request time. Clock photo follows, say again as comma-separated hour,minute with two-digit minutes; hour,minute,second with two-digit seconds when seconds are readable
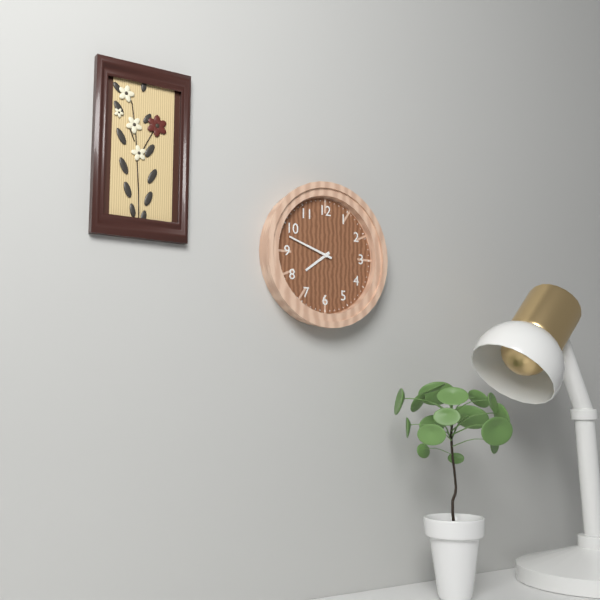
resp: 7,48
